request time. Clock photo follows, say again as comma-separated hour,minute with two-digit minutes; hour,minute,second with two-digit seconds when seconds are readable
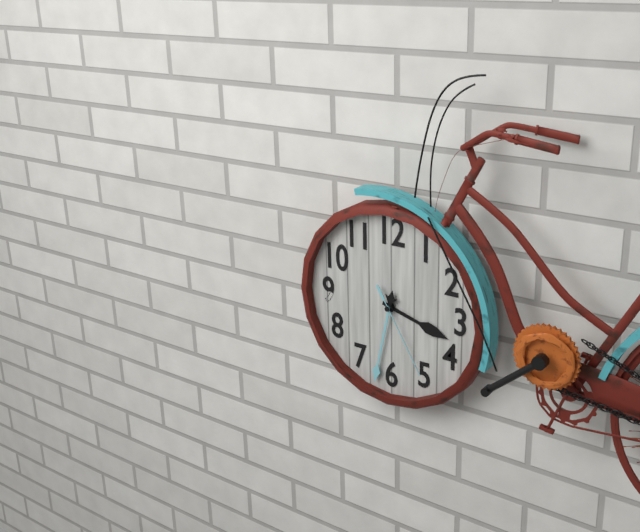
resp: 3,32,25
